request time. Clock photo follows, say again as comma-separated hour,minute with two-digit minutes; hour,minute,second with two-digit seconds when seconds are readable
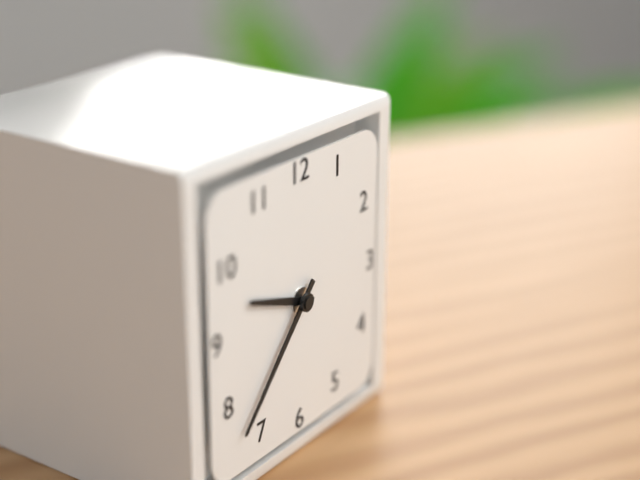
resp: 9,37
